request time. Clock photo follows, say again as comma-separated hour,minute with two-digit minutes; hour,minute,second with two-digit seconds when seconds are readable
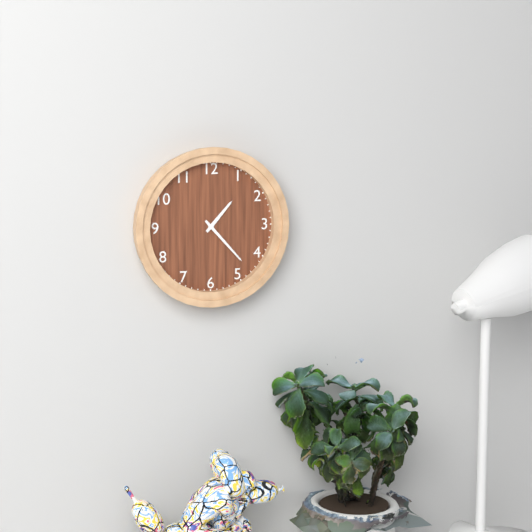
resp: 1,23
